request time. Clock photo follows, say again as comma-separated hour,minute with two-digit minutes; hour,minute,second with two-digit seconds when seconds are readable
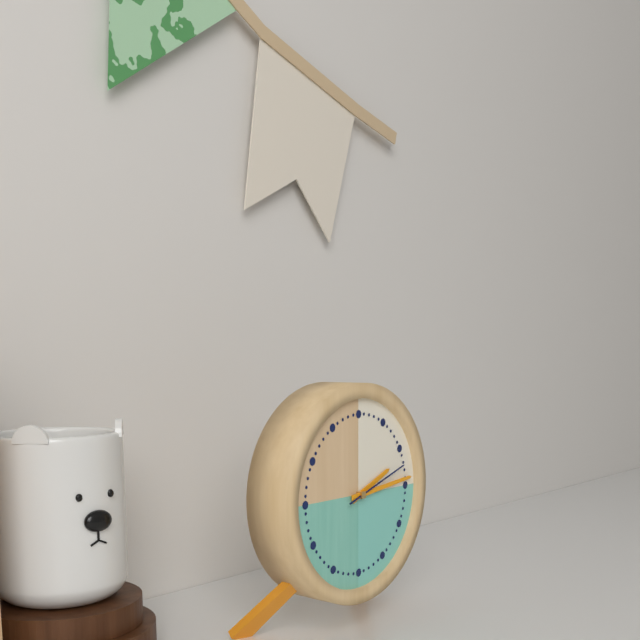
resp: 2,14,12
